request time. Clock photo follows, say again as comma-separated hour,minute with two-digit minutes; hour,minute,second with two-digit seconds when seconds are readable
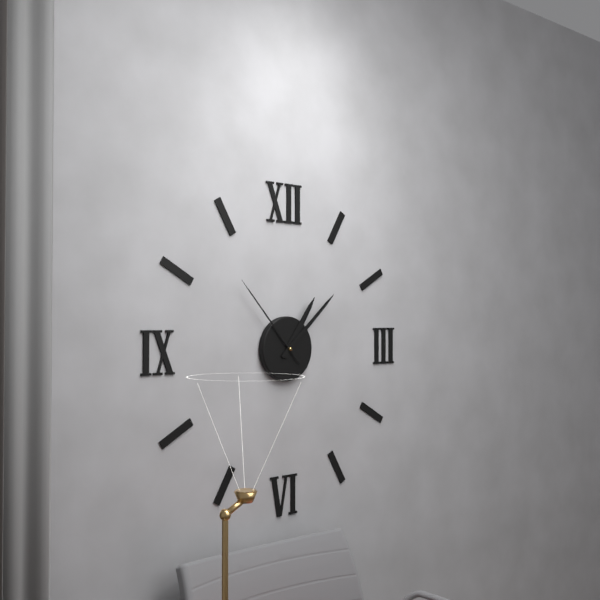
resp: 1,08,53
